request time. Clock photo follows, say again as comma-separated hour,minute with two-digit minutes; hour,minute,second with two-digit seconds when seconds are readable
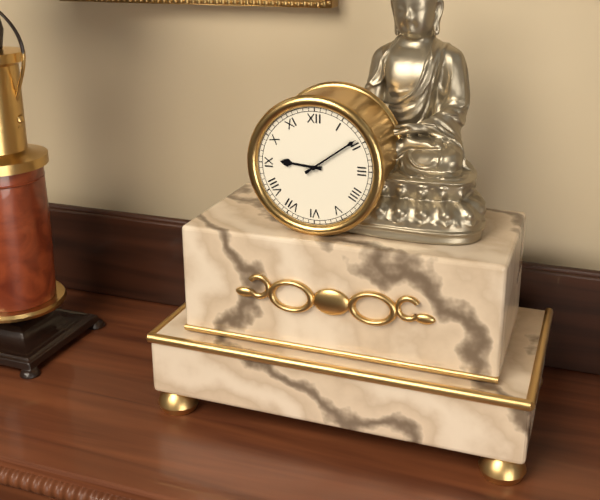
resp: 9,09
